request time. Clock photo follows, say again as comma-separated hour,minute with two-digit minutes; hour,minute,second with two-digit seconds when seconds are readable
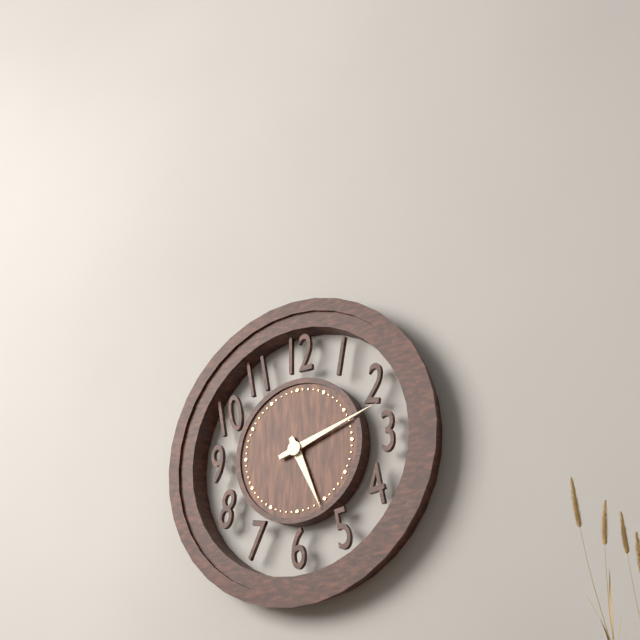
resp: 5,12
